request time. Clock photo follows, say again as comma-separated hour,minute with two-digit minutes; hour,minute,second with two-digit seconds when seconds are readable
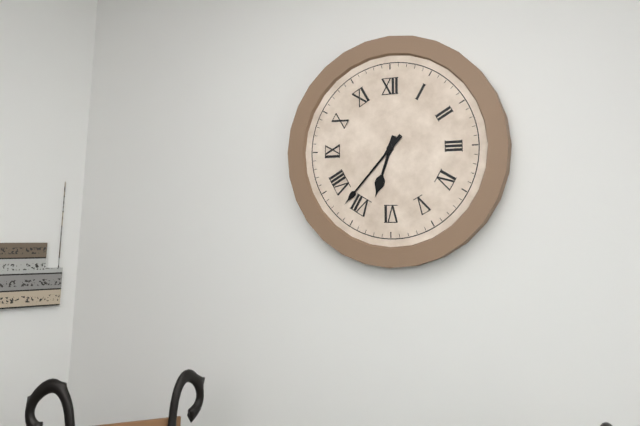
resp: 6,37
